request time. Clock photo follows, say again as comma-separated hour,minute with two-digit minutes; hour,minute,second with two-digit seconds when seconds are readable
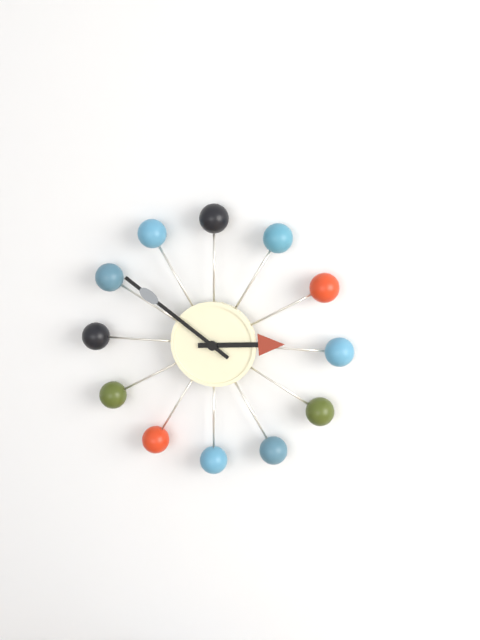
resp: 2,51
